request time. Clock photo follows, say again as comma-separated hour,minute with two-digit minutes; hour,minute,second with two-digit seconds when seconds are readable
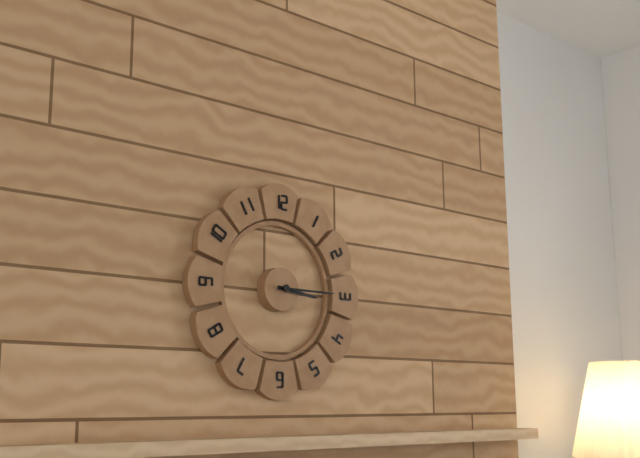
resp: 3,15
